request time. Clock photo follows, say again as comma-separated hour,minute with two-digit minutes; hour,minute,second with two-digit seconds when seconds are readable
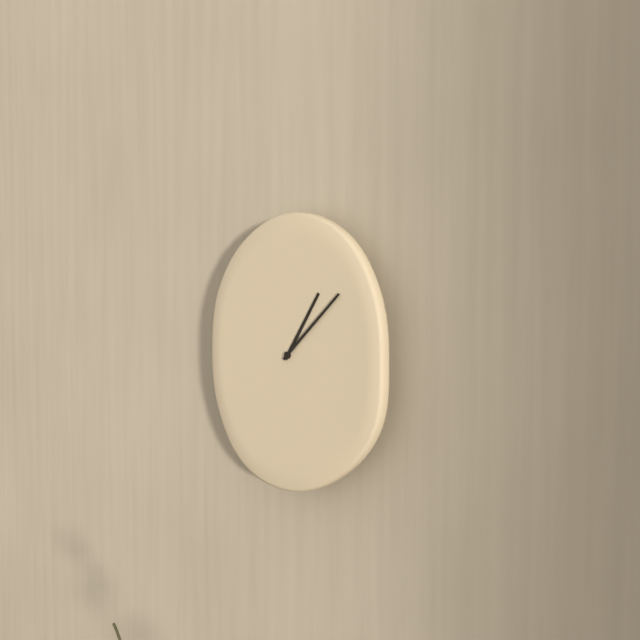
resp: 1,08
